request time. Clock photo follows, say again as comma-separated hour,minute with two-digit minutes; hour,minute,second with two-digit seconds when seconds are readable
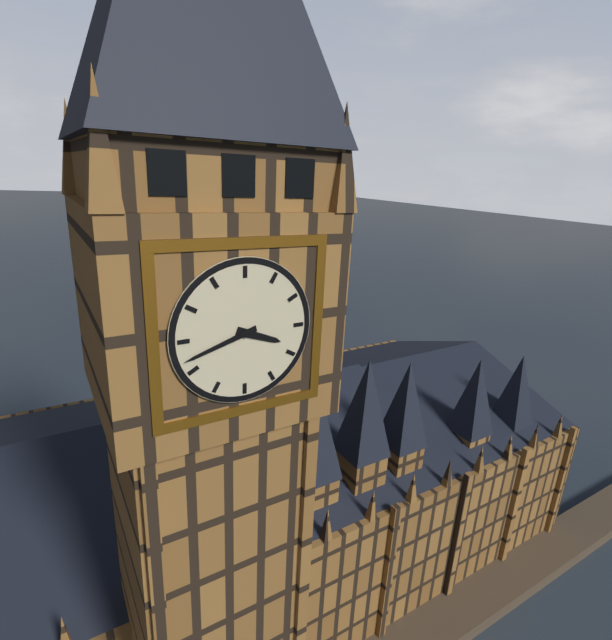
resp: 3,42
